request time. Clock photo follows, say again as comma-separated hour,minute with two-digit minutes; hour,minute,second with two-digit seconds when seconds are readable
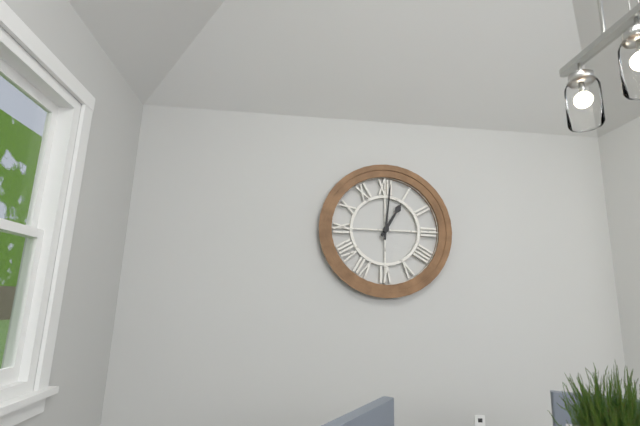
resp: 1,01
